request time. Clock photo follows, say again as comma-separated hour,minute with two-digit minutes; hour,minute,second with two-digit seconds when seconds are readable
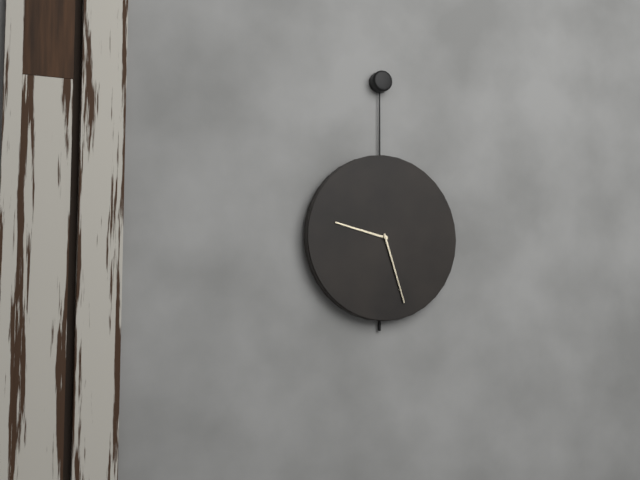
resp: 9,27
